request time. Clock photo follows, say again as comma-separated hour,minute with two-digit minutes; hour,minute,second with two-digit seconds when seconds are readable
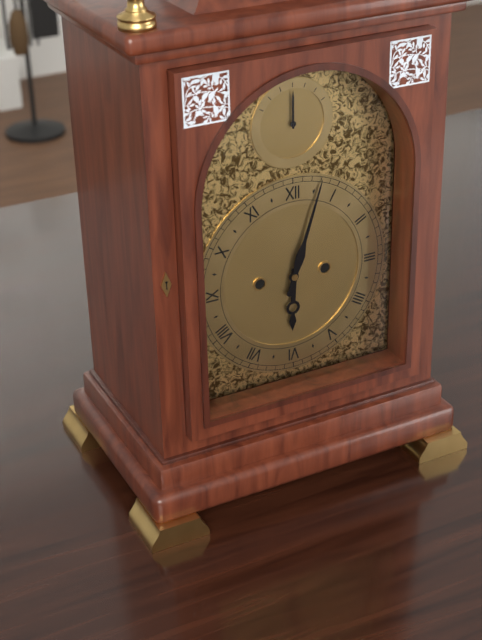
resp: 6,03
